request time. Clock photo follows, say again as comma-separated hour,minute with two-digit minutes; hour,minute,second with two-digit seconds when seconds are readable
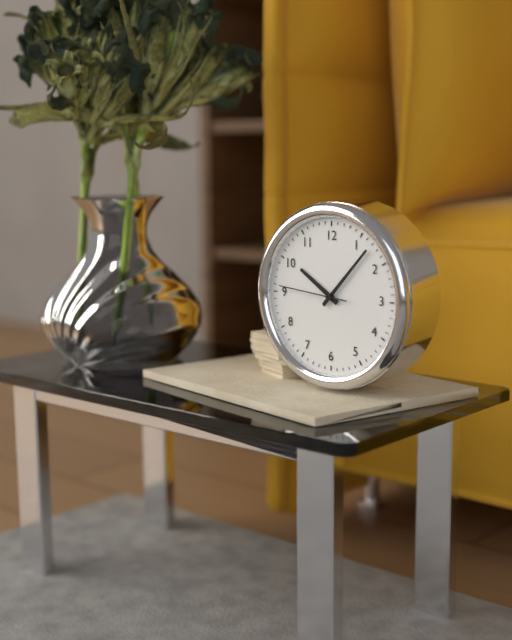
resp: 10,07,46
